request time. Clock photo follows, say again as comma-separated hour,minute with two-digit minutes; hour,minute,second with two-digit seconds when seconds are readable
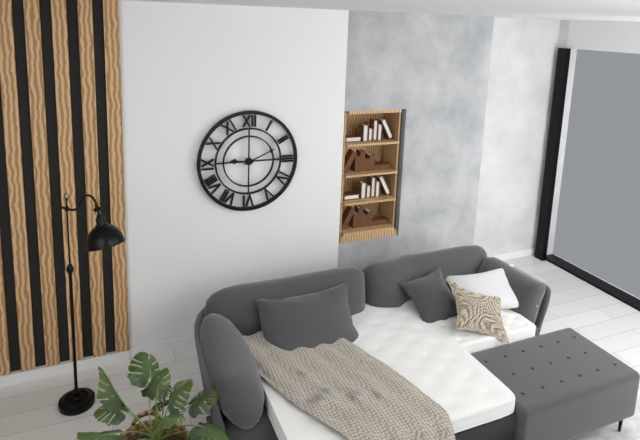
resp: 9,11
